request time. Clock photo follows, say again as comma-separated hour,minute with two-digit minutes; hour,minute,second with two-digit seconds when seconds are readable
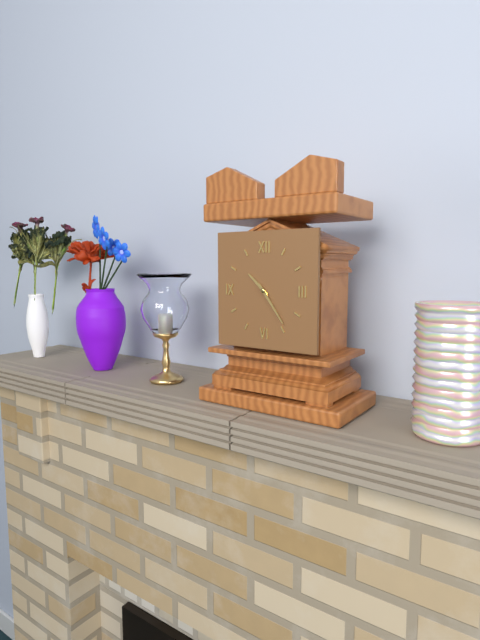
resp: 10,24
